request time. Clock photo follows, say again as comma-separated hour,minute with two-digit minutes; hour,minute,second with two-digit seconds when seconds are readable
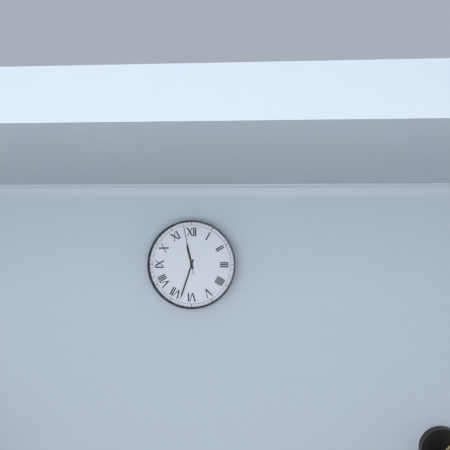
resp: 11,33
